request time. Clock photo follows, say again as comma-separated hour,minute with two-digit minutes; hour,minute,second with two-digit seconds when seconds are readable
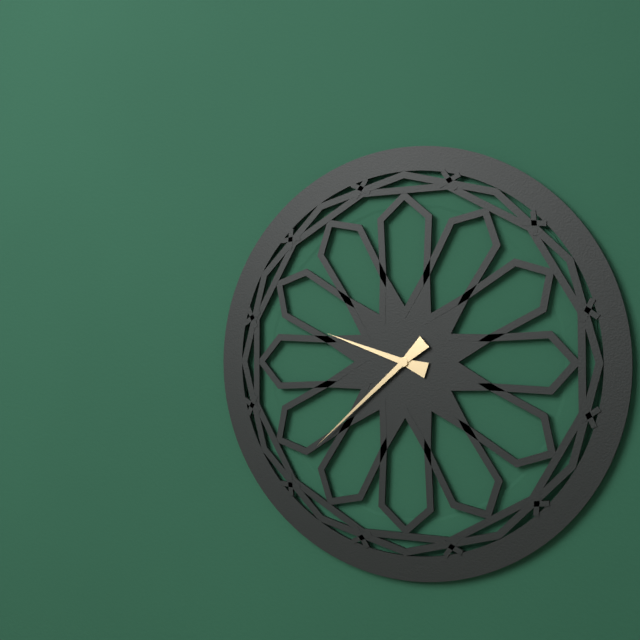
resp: 9,38
